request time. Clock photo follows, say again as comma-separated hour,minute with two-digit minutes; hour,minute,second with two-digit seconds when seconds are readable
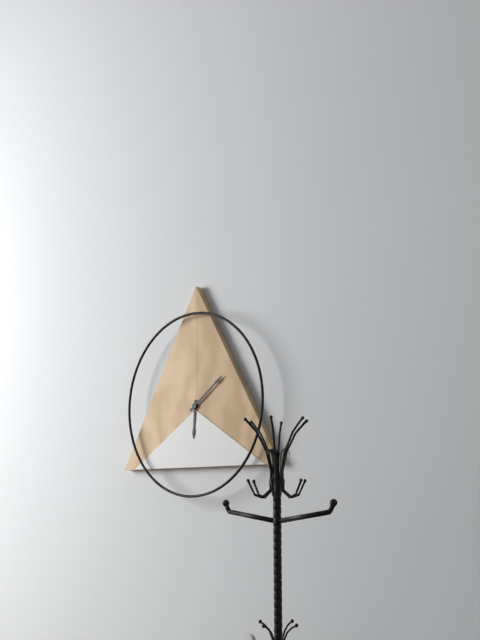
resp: 6,09
